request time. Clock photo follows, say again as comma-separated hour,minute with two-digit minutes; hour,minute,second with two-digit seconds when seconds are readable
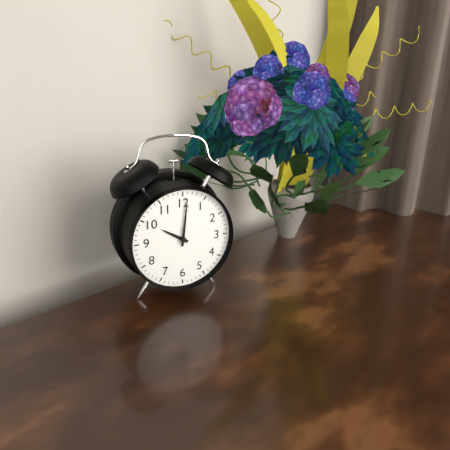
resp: 10,01
